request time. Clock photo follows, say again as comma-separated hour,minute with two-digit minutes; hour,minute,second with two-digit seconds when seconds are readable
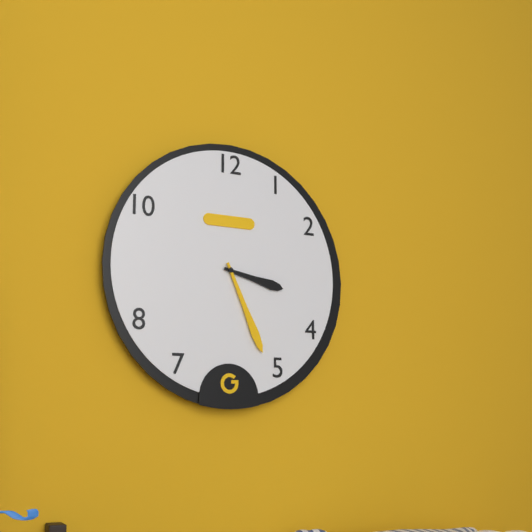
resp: 3,26
